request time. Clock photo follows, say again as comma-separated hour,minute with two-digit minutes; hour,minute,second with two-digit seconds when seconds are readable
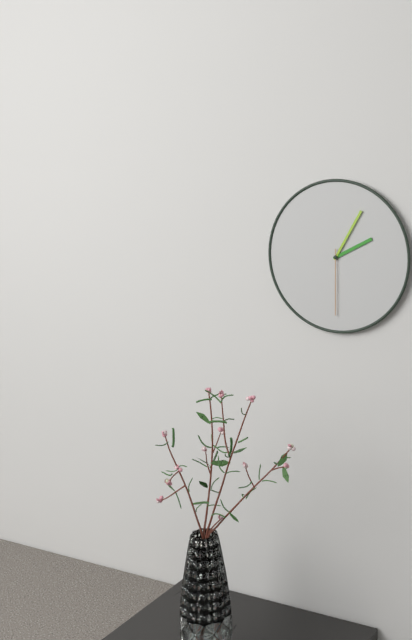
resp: 2,05,30
